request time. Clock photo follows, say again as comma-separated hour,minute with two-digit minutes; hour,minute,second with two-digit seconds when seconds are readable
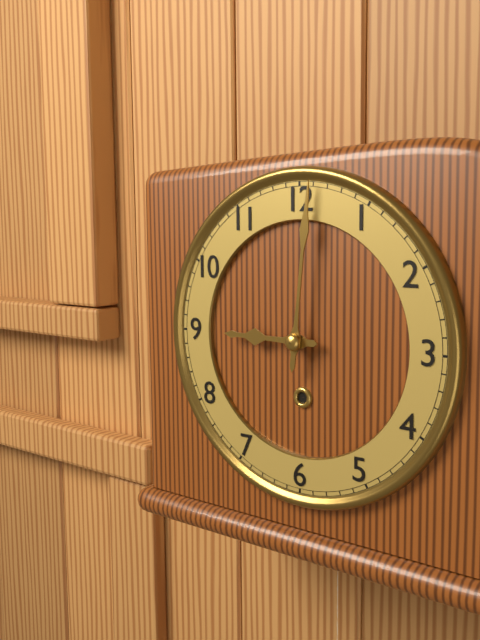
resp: 9,01
